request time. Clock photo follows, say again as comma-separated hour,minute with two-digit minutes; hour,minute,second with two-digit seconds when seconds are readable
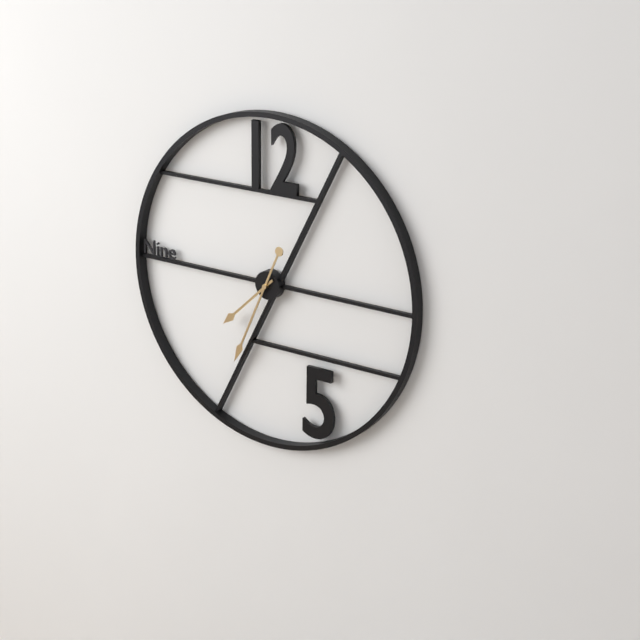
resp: 7,34
